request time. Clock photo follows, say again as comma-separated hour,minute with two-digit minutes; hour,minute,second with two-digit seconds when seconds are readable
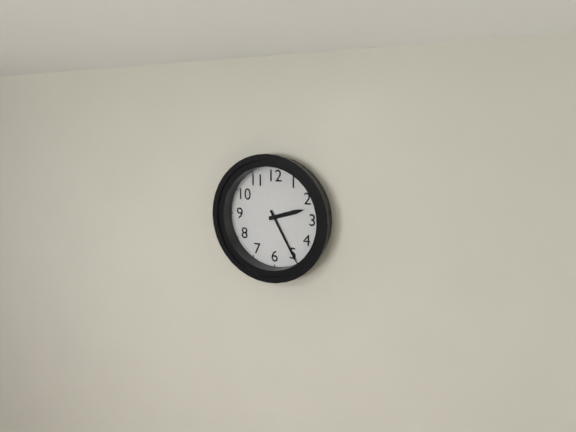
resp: 2,25
